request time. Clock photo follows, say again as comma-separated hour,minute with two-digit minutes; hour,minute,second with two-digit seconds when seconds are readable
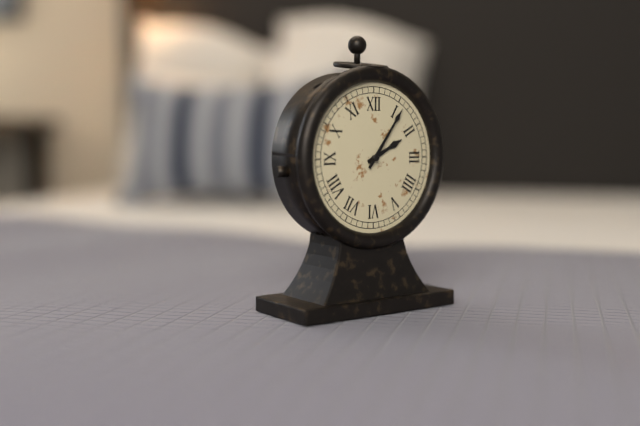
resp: 2,06
